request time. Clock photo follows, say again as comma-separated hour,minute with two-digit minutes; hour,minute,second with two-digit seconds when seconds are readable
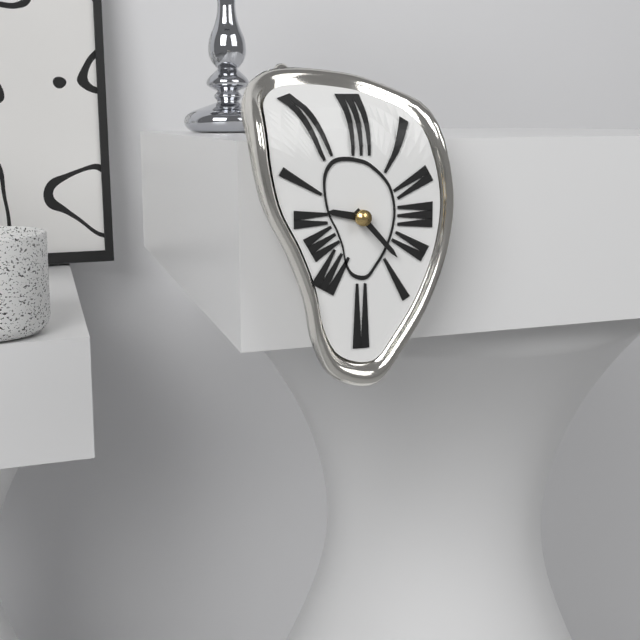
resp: 9,23
